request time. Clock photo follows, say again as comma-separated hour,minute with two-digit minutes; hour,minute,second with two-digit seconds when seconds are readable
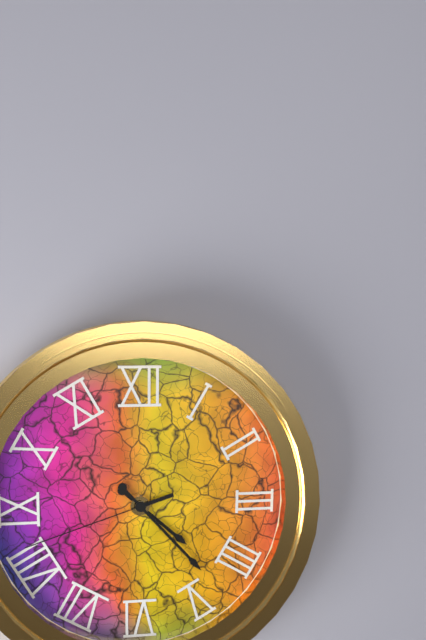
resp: 4,23,42
